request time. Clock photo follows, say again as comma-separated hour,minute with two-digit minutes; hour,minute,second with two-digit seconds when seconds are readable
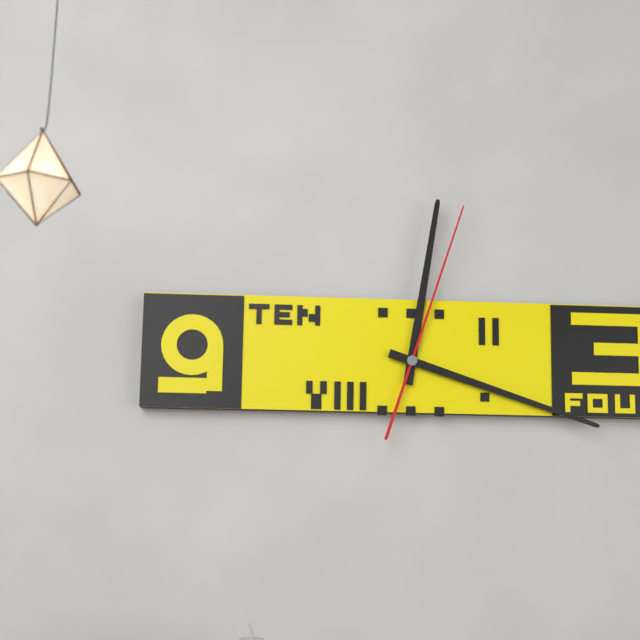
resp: 12,18,03
